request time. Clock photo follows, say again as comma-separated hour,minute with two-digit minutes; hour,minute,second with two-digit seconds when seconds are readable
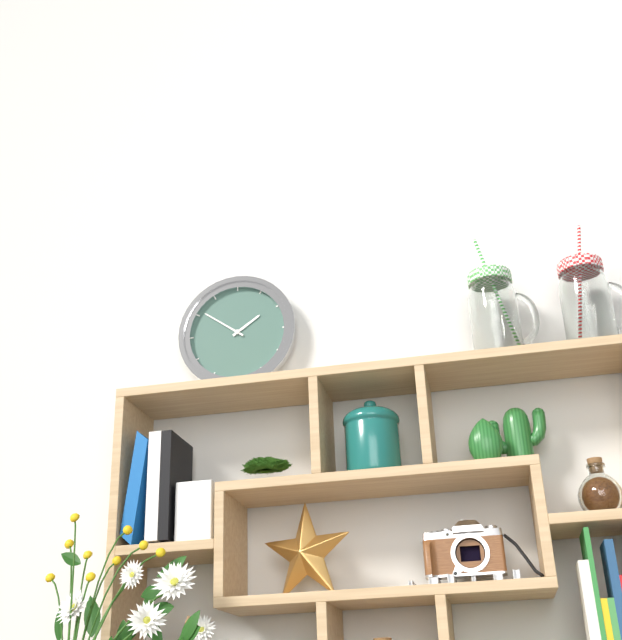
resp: 1,51
